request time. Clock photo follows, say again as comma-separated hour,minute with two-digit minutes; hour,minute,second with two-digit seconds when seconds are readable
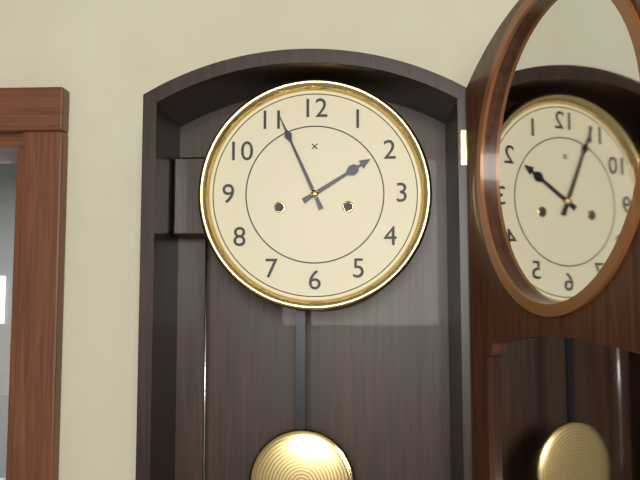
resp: 1,56
